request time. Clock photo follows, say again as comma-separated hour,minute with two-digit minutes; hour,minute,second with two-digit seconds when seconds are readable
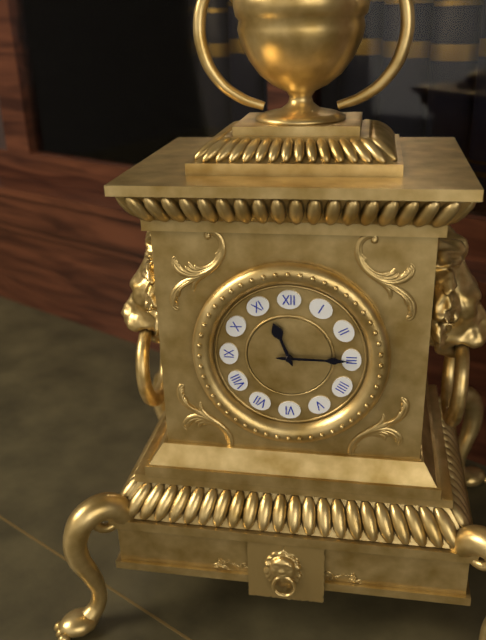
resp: 11,15
